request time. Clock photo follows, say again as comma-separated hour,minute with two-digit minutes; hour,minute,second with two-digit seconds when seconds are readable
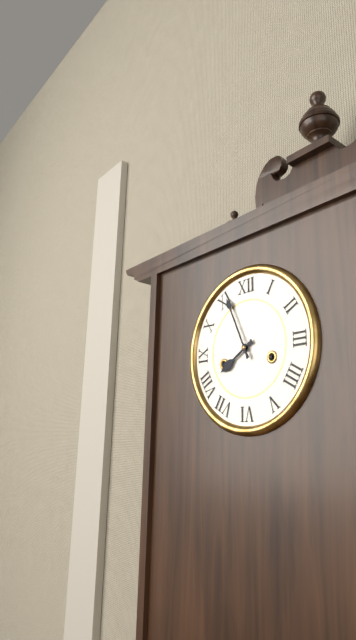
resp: 7,56
